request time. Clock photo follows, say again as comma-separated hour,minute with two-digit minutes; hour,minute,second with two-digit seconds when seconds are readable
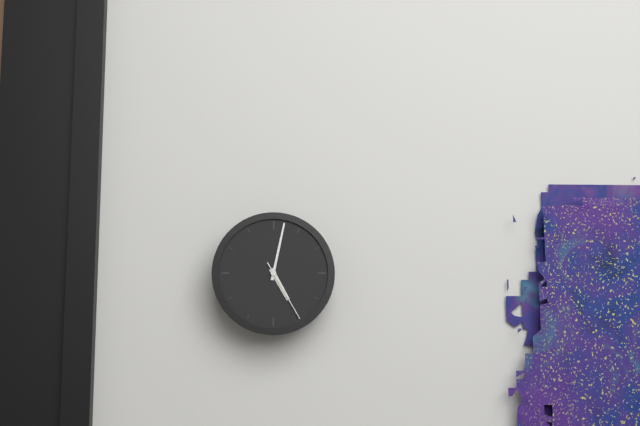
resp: 5,02,25
